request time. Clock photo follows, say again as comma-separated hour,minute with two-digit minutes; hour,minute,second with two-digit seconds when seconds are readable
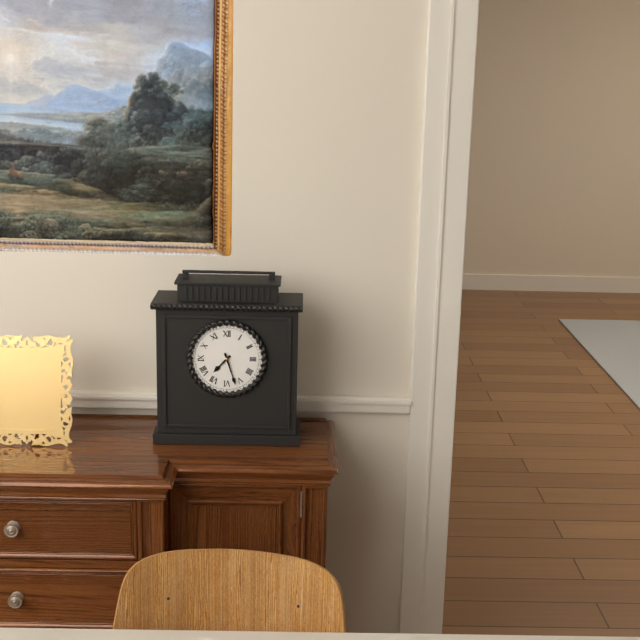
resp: 7,27
